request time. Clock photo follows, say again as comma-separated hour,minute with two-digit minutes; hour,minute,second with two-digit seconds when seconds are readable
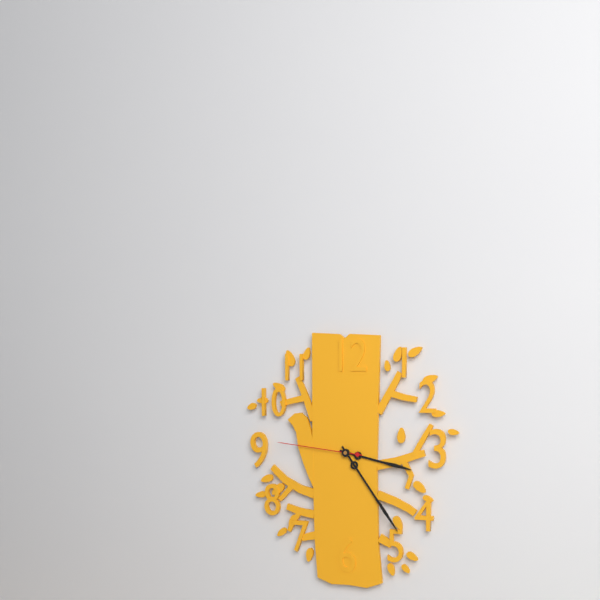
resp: 3,24,46
